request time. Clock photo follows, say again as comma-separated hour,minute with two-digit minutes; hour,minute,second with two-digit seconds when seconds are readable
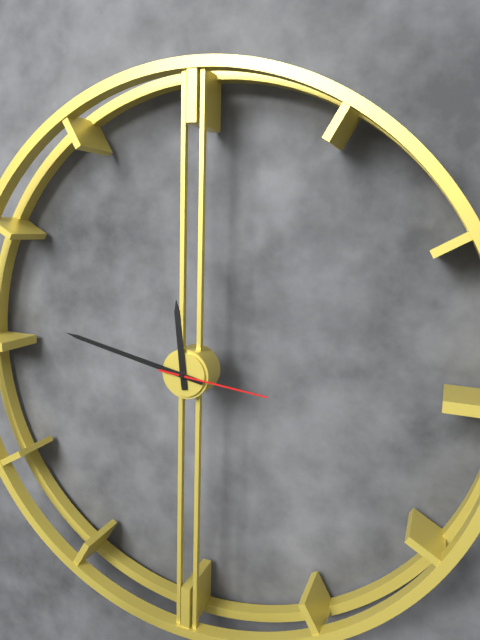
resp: 11,47,16
